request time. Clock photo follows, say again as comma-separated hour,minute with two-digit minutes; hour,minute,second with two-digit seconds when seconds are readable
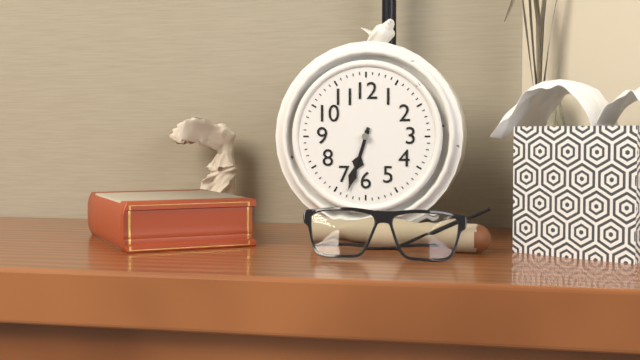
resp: 6,33
